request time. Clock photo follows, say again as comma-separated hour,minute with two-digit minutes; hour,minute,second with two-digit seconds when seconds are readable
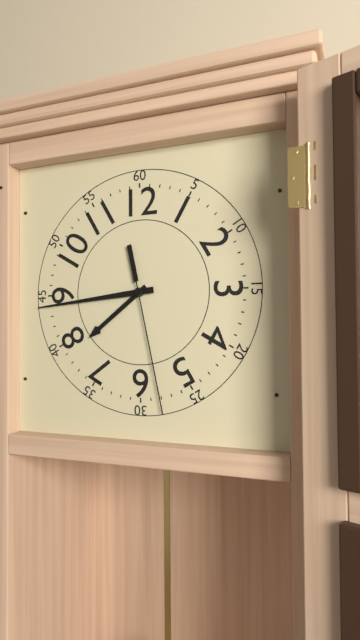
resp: 7,44,28
